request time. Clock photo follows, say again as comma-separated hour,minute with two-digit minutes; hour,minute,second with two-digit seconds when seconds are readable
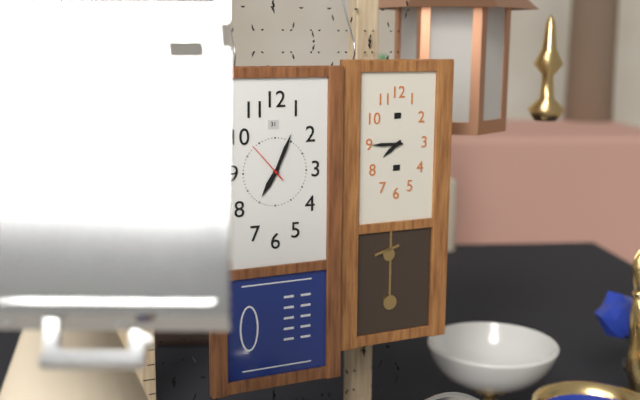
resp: 7,04
